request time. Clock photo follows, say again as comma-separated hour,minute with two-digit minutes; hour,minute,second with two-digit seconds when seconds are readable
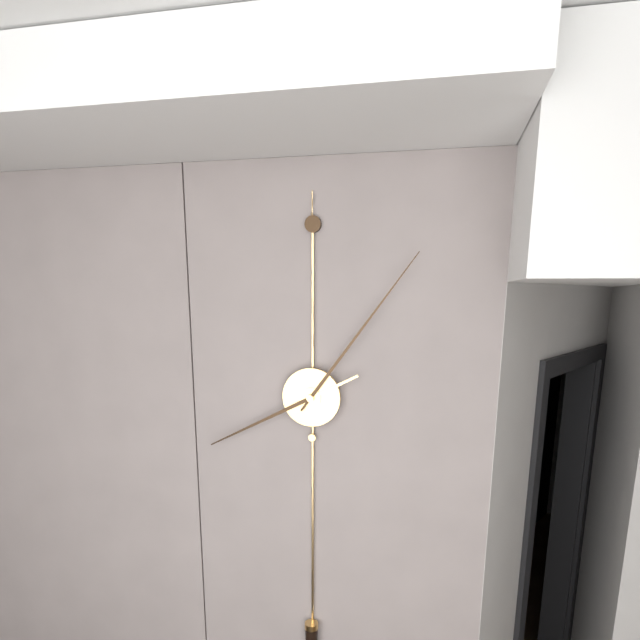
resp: 8,06
